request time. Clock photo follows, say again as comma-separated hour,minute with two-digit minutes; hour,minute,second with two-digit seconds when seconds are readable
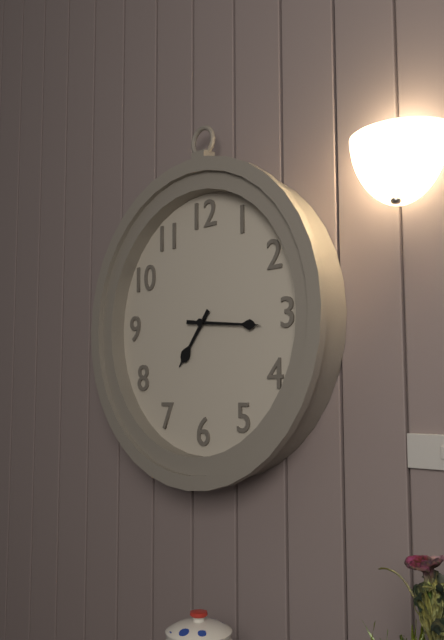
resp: 7,16
